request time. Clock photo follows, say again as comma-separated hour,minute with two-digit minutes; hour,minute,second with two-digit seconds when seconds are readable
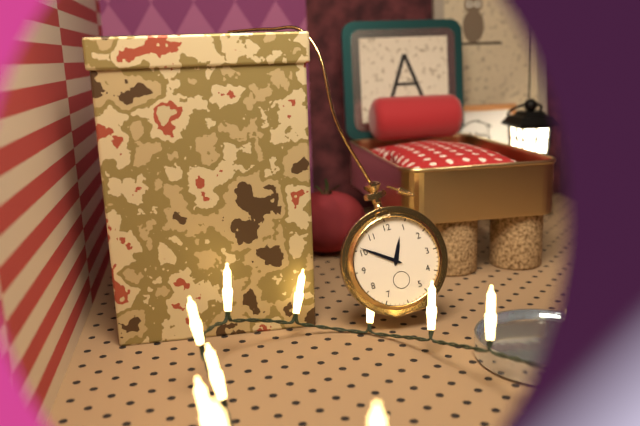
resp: 12,51
